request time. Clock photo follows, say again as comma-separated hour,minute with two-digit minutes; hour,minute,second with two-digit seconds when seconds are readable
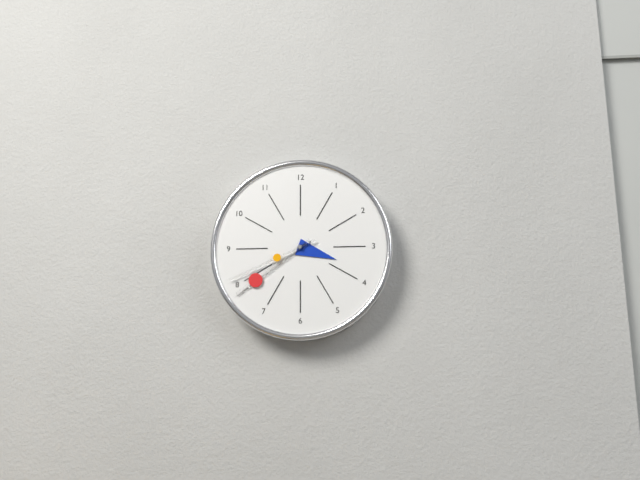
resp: 3,39,41
